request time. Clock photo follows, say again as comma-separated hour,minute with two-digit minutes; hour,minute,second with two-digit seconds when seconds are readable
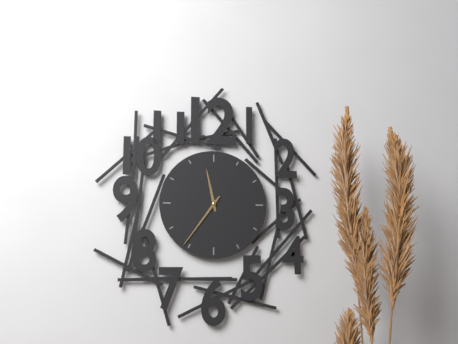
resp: 11,36
